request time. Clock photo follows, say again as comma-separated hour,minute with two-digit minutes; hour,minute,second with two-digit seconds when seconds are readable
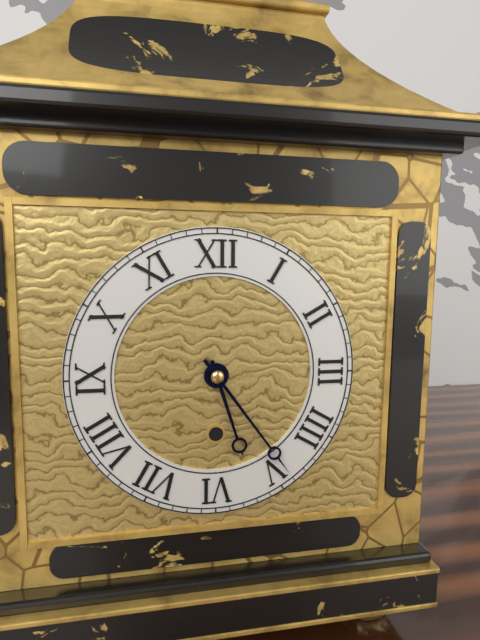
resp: 5,24
